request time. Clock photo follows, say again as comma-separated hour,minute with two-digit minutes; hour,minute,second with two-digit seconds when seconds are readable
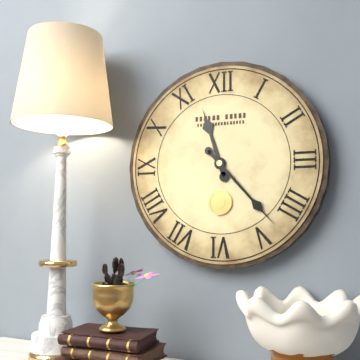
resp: 11,23
